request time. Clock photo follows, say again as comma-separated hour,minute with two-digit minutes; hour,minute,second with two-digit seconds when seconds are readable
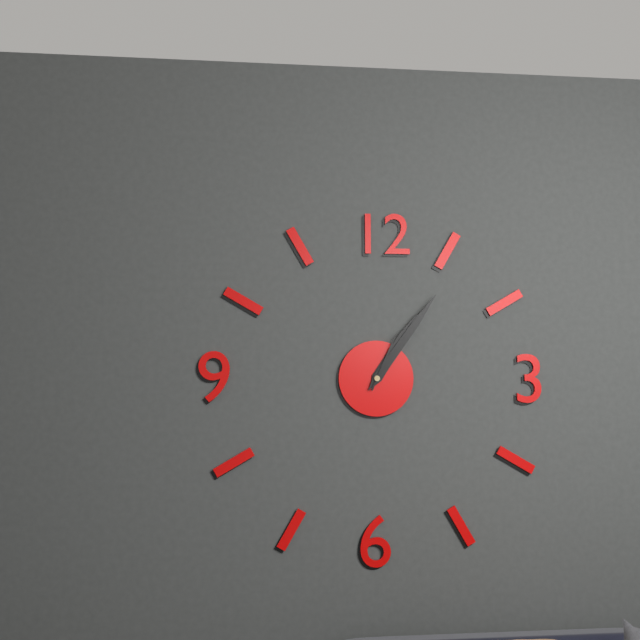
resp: 1,06,04
